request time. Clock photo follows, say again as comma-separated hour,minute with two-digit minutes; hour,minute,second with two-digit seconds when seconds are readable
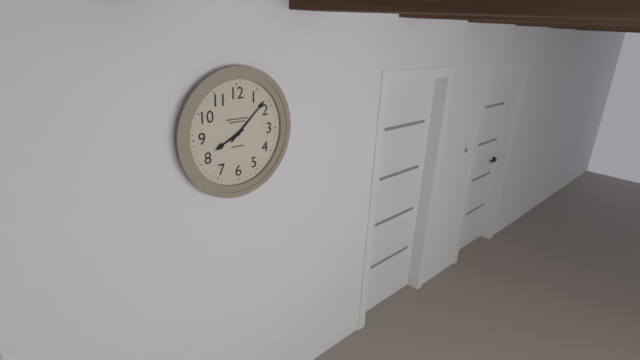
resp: 8,08
